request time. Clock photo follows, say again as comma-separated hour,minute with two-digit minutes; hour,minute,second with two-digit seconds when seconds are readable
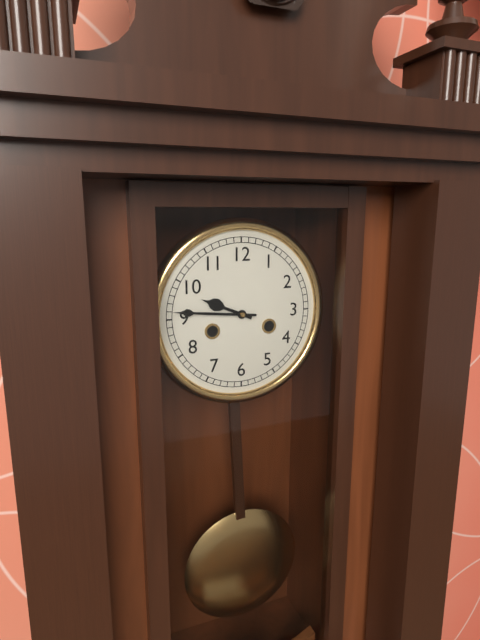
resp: 9,46
